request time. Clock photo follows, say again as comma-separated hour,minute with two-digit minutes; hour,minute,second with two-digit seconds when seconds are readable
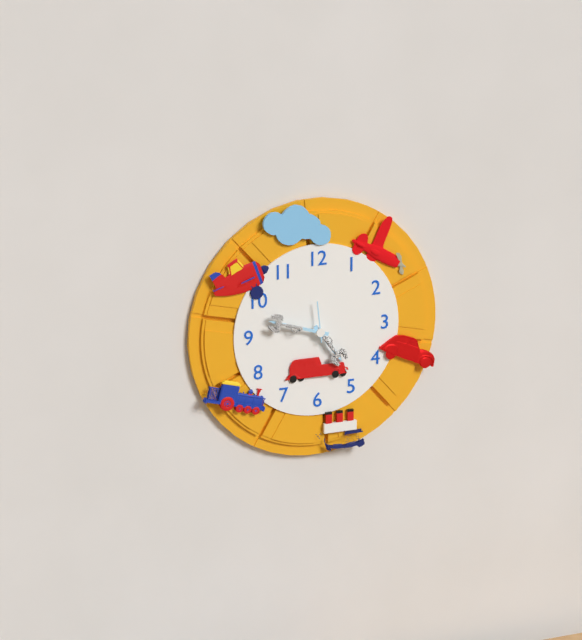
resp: 4,48
